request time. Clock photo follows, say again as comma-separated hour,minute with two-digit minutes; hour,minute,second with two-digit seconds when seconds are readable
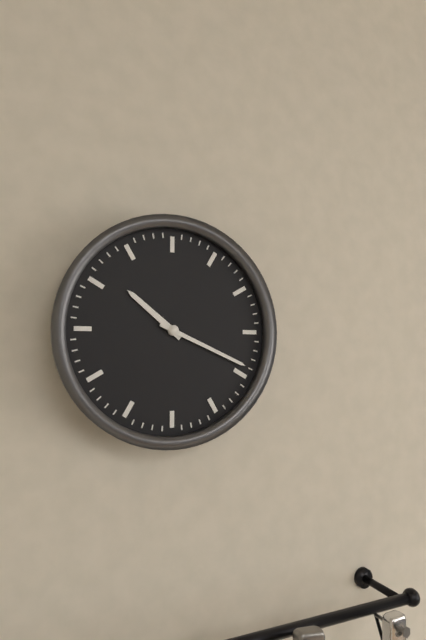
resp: 10,19
